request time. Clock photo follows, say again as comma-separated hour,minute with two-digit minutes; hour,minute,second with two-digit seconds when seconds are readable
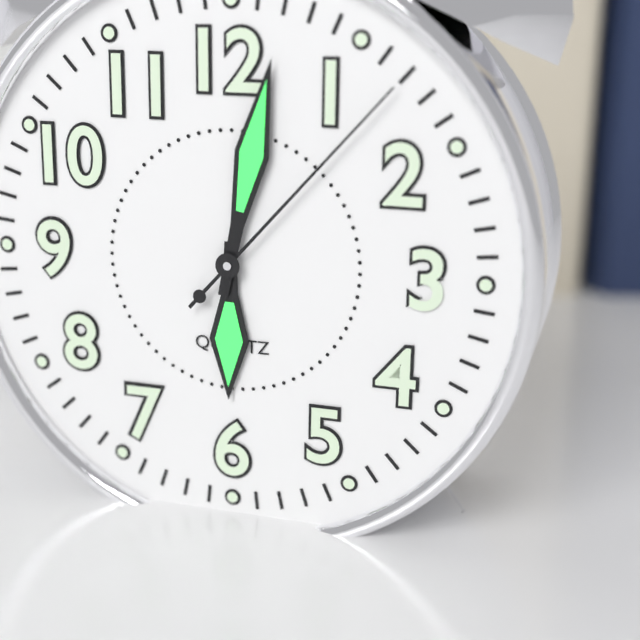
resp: 6,02,07
